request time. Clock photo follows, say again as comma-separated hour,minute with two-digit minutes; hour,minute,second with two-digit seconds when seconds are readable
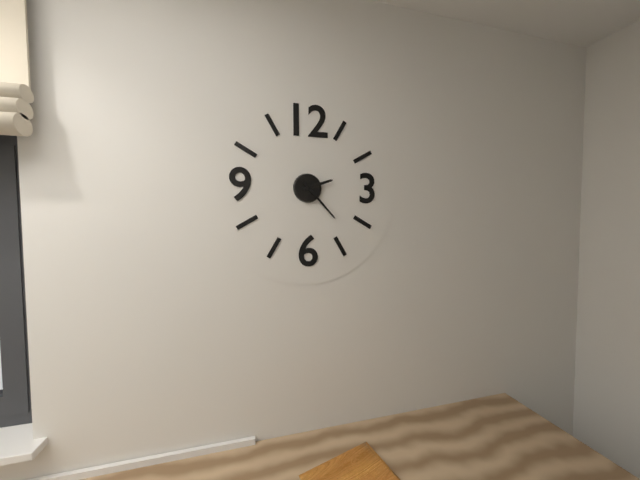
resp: 2,23
